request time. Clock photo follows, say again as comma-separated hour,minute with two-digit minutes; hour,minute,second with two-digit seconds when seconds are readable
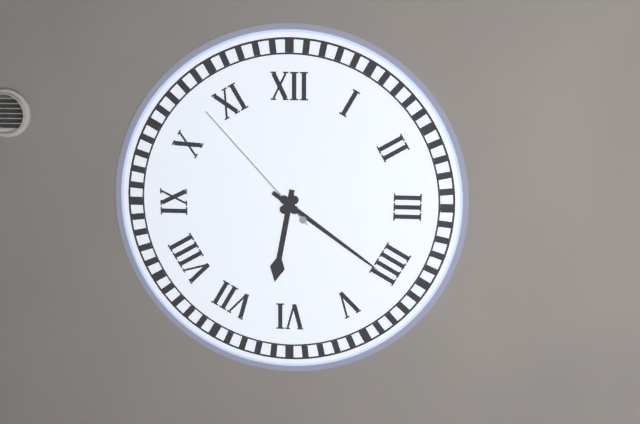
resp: 6,21,53
